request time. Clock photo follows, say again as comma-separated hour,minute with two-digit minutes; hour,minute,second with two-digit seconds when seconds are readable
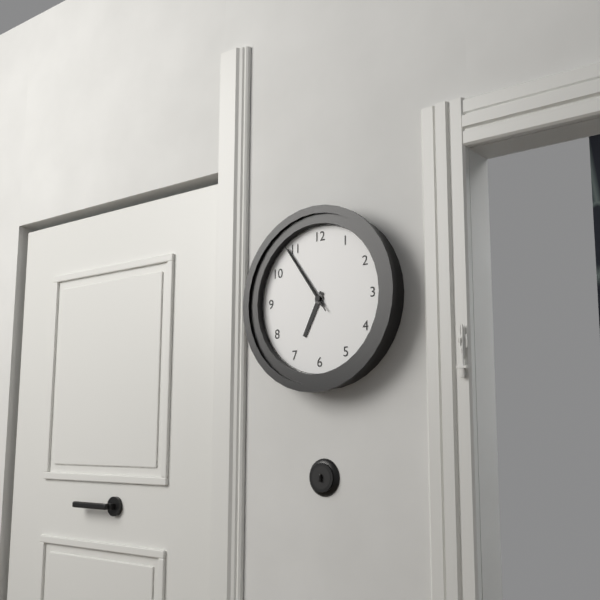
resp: 6,54,54
